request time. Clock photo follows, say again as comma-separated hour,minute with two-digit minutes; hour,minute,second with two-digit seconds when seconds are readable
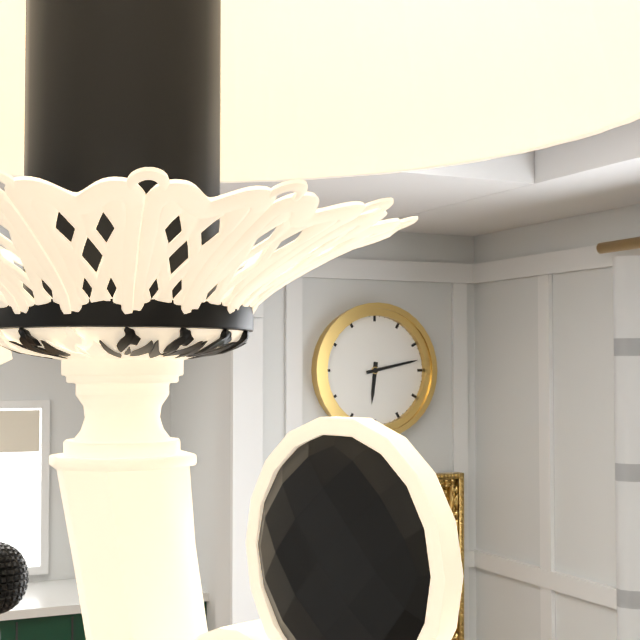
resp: 6,13
